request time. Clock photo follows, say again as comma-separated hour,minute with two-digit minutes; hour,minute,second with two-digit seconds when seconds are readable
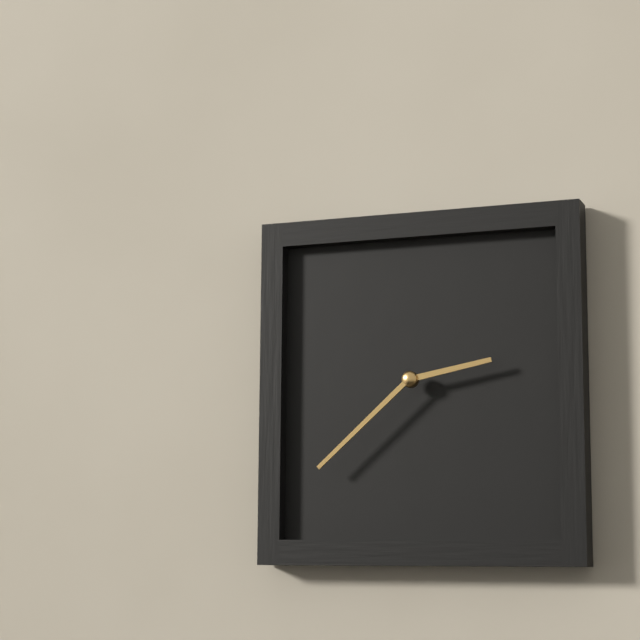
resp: 2,38
